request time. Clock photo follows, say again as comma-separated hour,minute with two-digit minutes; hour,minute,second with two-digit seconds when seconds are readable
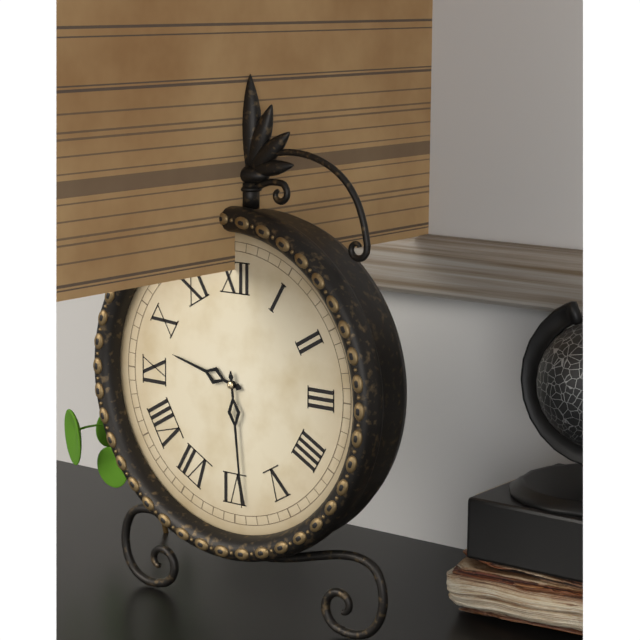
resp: 9,29
